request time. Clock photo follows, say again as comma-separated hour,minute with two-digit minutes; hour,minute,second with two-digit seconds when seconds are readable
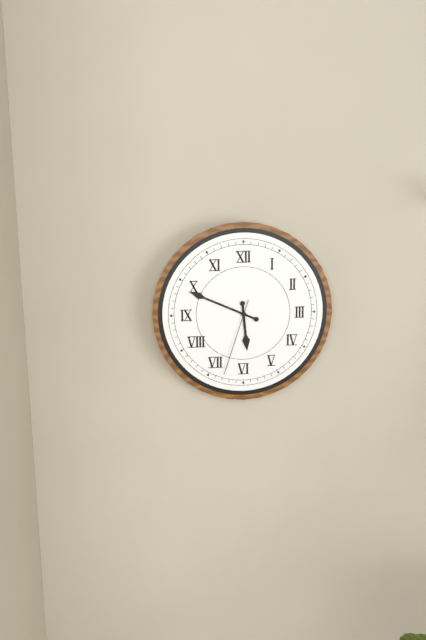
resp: 5,49,33
